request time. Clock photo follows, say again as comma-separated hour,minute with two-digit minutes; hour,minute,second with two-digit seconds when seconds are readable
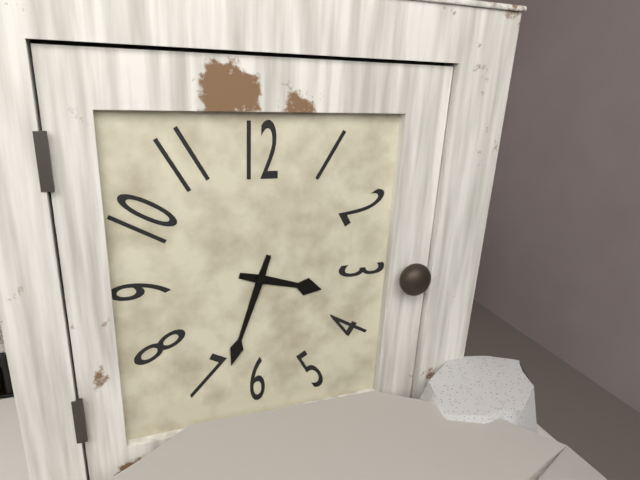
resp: 3,33
